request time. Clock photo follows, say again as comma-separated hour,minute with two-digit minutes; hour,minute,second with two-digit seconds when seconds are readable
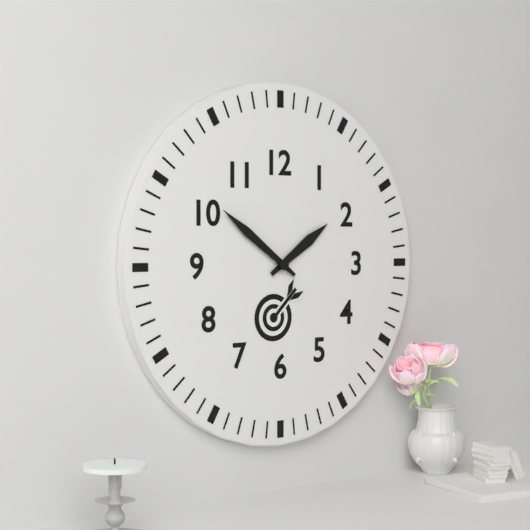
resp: 1,51
